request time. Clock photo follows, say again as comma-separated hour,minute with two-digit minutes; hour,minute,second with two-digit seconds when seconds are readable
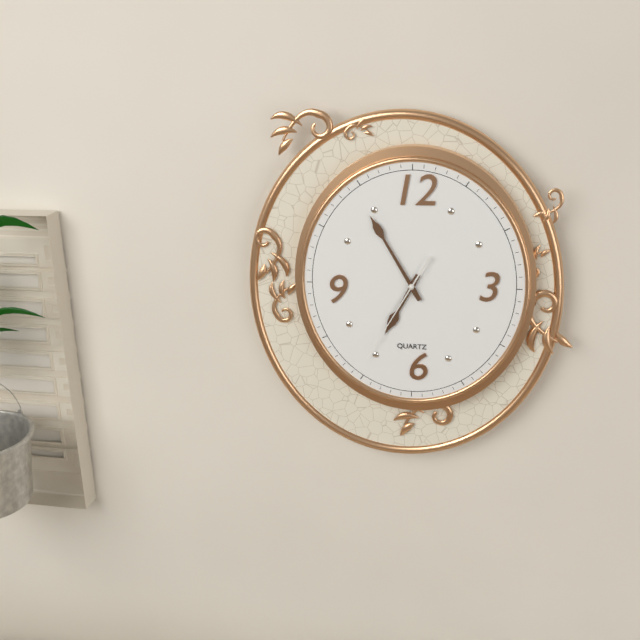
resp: 6,55,35
